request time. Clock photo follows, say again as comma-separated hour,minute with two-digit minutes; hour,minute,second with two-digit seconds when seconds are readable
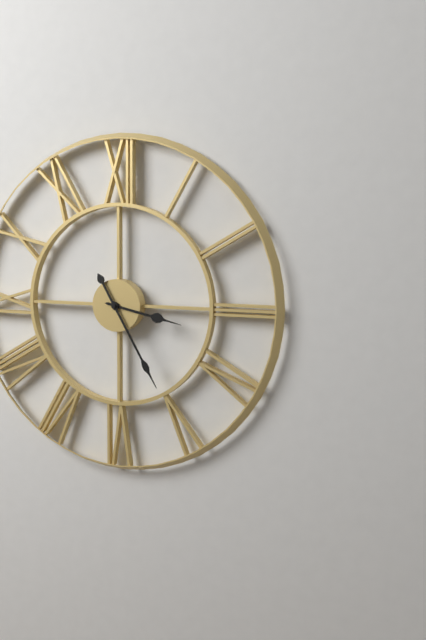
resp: 3,25
